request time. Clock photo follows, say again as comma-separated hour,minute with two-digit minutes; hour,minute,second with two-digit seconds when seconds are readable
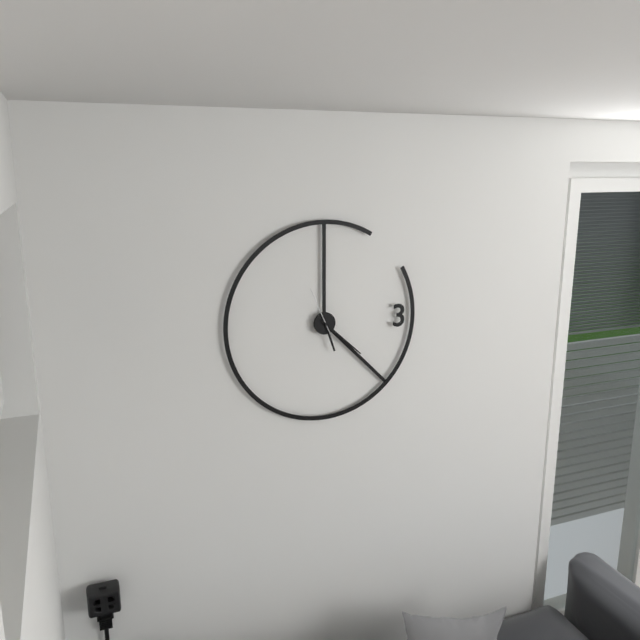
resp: 5,22
